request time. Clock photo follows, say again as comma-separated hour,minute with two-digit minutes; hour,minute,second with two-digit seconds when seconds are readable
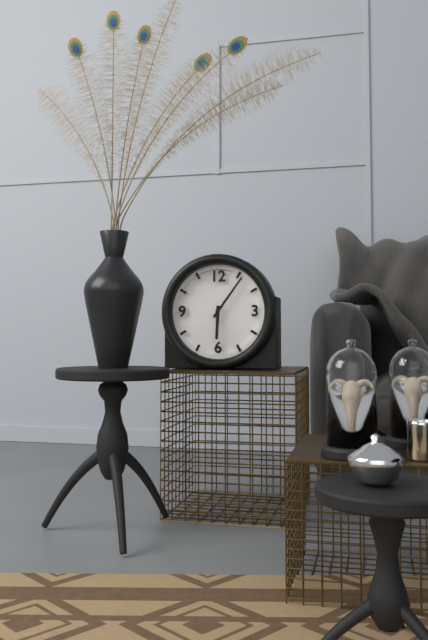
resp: 6,06
